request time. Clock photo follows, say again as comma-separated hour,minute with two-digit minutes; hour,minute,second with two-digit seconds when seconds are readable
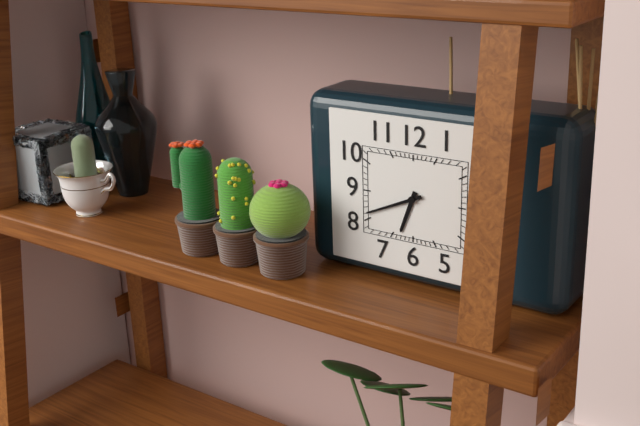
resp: 6,41
